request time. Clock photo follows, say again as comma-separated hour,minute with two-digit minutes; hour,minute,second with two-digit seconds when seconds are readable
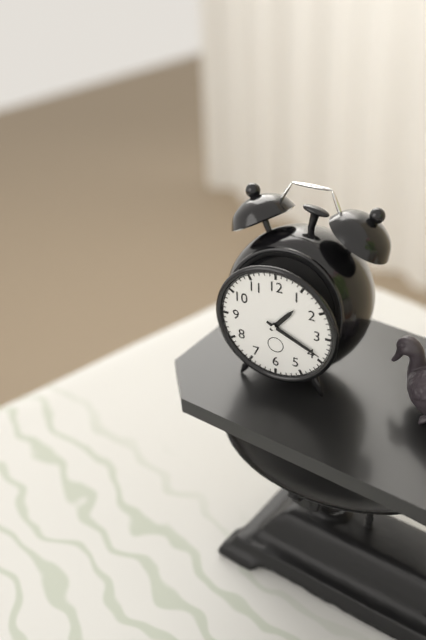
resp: 1,19
